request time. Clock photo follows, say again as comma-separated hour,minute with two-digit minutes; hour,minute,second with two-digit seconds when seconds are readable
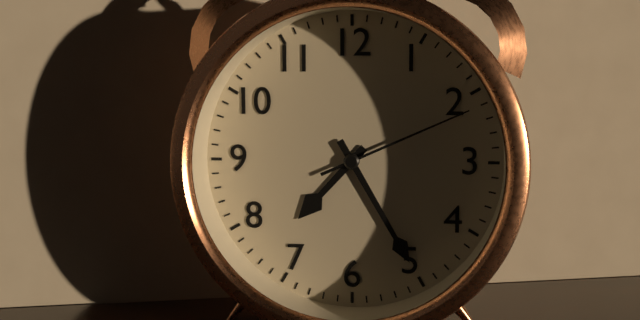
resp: 7,25,11
